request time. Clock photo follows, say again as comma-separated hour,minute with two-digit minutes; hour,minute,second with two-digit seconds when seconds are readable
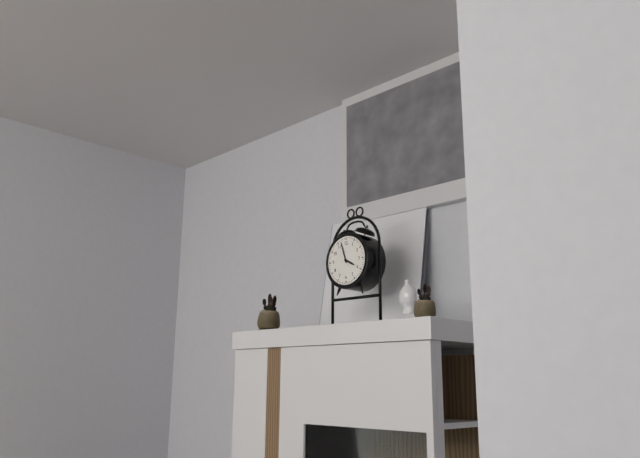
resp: 3,57
